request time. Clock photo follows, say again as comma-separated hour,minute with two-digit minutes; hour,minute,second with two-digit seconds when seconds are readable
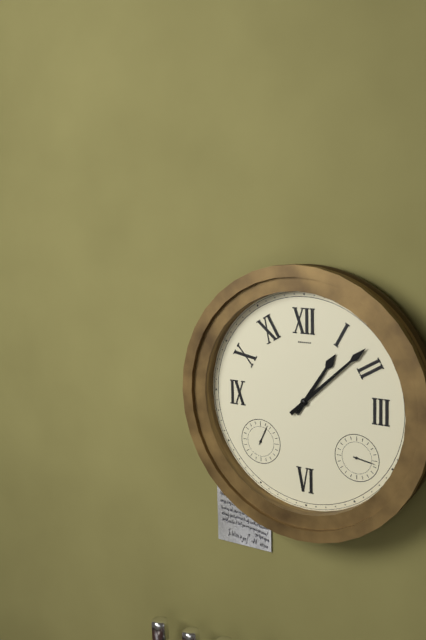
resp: 1,08
